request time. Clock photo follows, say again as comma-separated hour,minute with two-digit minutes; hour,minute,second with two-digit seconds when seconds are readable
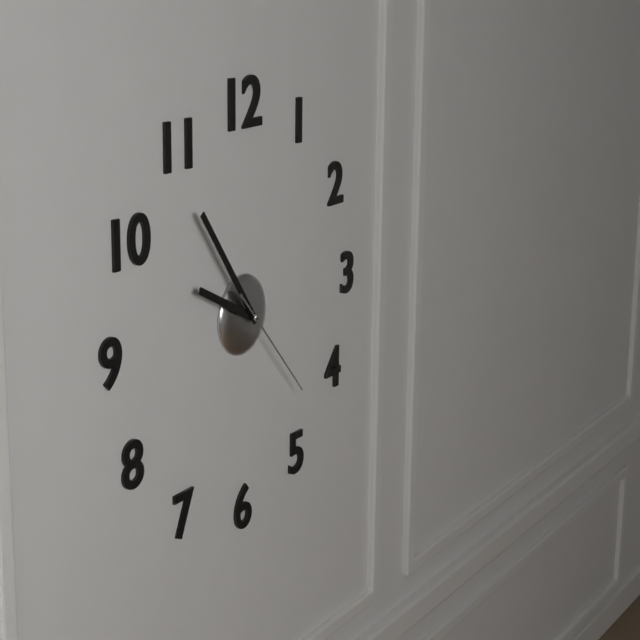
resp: 9,54,23
